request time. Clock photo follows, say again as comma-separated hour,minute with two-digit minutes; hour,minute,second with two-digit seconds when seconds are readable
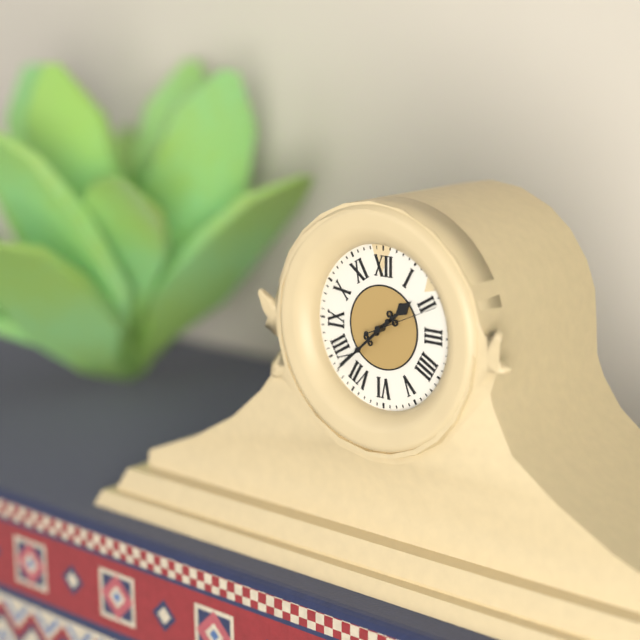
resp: 1,38,11
